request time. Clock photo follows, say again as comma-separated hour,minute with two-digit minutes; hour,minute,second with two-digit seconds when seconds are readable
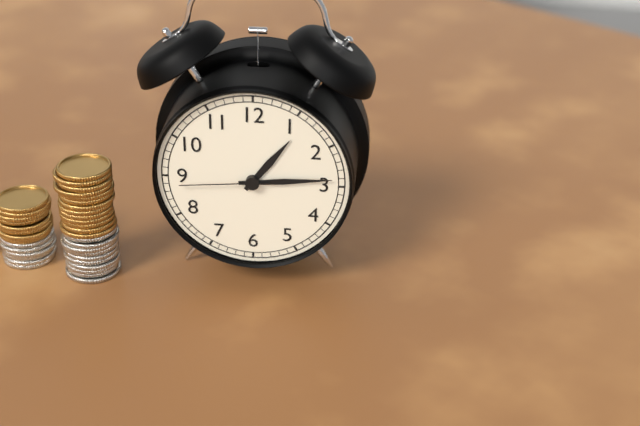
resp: 1,14,44
